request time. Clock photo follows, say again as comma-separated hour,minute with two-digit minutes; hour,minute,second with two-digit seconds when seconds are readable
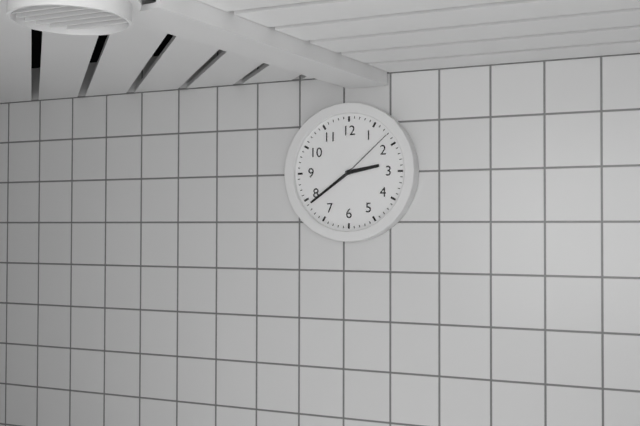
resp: 2,39,08
